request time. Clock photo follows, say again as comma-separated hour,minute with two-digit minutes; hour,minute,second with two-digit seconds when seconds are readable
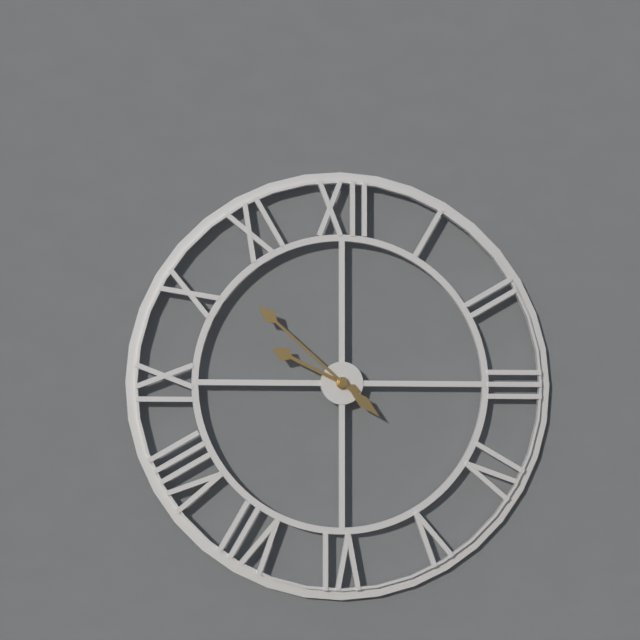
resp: 9,52
